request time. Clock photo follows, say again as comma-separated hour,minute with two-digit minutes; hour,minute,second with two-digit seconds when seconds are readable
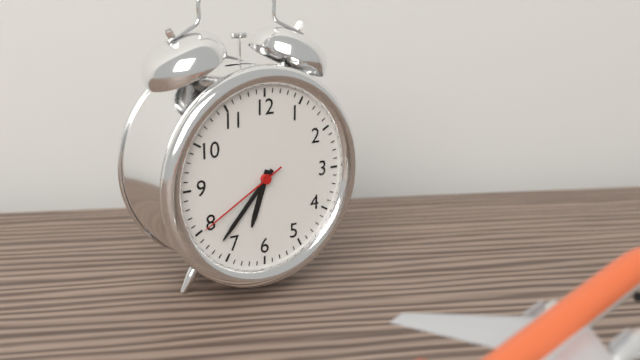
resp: 6,37,40
